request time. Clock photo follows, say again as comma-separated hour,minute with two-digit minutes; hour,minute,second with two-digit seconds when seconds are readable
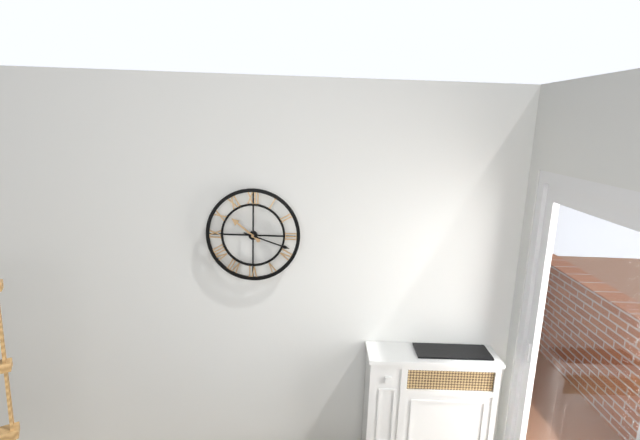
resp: 10,18
